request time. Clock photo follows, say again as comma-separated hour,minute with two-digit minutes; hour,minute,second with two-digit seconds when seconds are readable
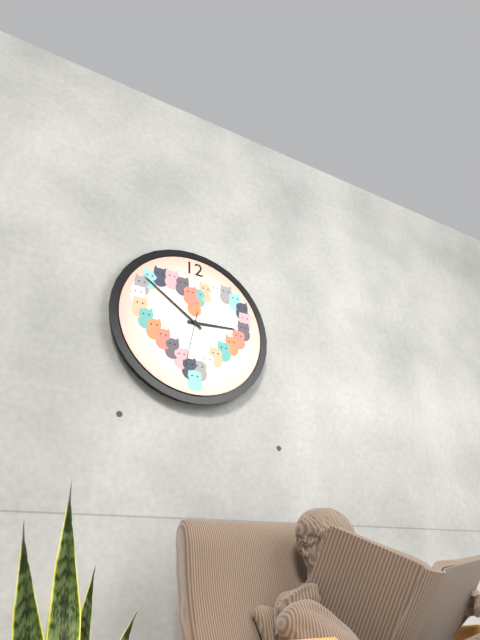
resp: 2,51,32
